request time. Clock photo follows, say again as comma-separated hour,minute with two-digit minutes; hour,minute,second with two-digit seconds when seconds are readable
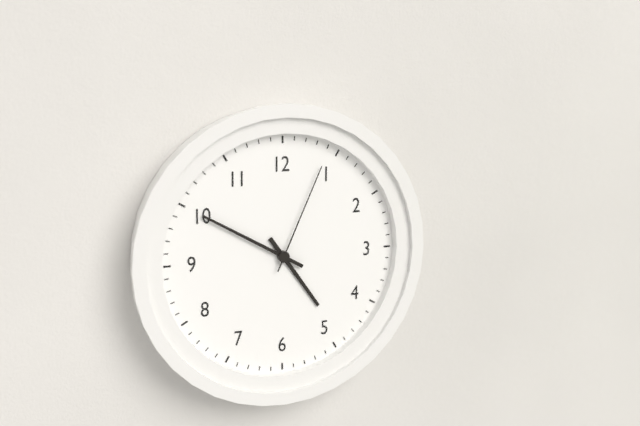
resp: 4,50,04
